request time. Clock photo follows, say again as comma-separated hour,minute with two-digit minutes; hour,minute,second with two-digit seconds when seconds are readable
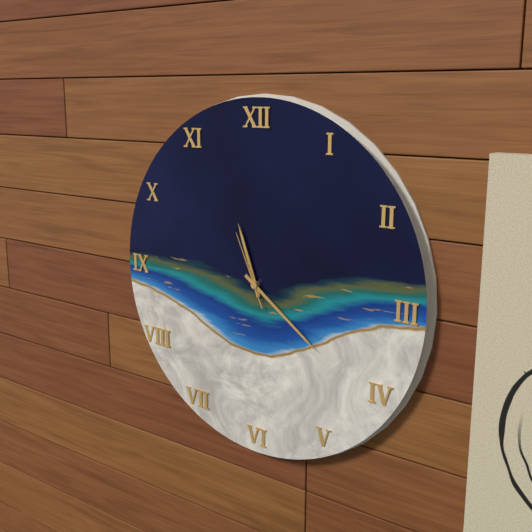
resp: 11,21,56
